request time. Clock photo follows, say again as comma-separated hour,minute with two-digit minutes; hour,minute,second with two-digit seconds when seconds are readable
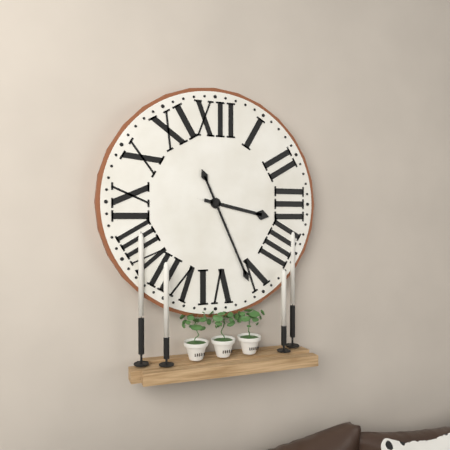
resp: 3,26
